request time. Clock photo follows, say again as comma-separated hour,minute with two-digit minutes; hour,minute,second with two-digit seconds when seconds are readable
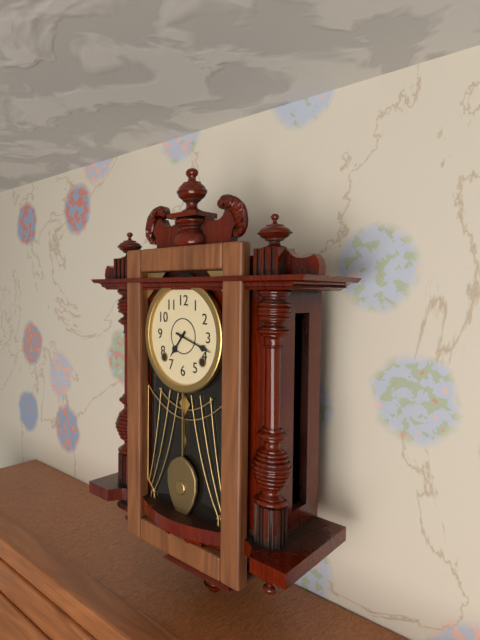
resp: 7,18
